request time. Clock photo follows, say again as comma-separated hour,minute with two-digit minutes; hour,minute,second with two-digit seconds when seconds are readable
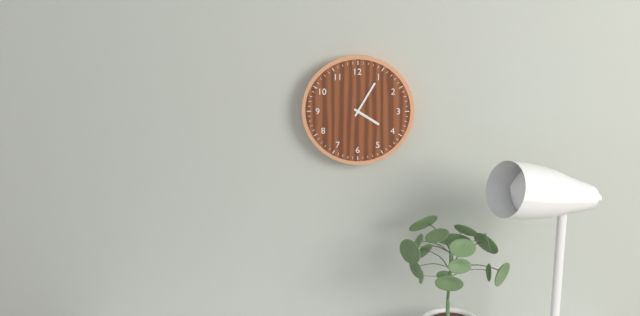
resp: 4,05
